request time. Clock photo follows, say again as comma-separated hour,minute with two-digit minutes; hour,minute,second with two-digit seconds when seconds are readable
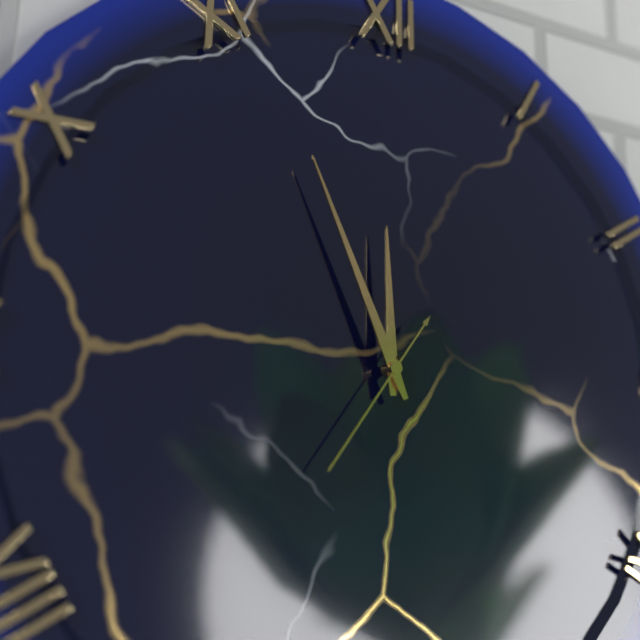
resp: 11,56,36
